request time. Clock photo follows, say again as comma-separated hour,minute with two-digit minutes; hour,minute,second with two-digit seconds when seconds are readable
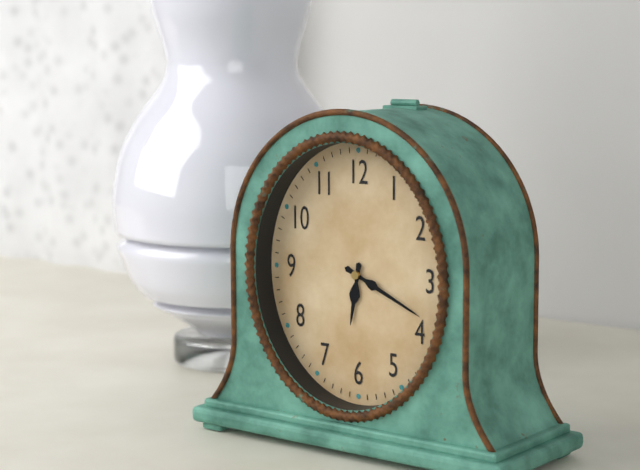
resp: 6,19
